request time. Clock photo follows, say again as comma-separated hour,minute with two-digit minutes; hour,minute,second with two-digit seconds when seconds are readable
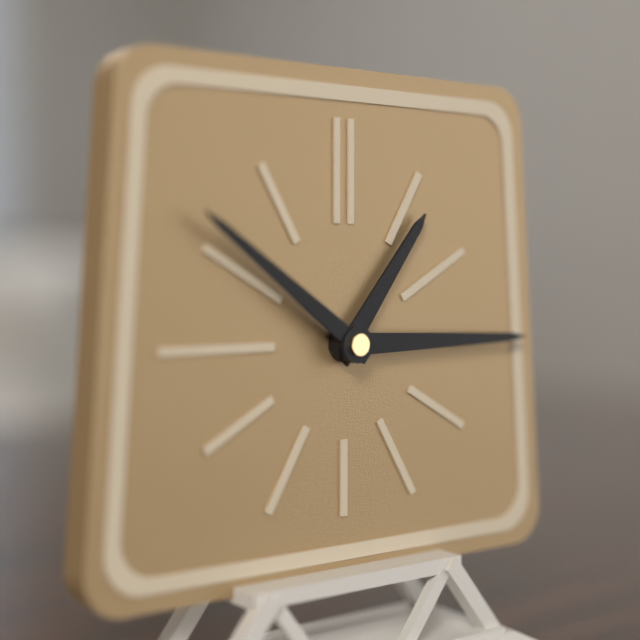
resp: 1,15,51
